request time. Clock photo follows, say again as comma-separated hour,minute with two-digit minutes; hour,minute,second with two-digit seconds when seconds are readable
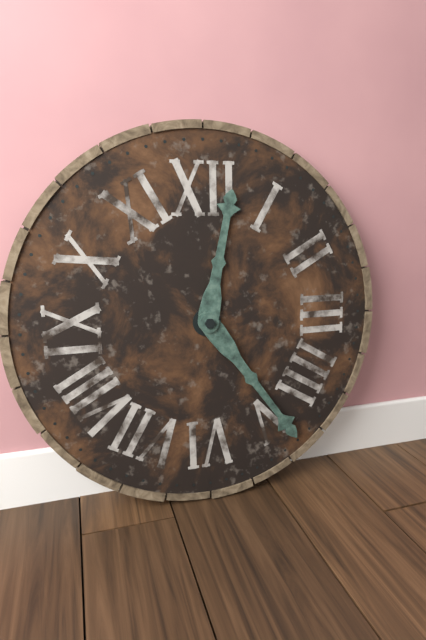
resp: 12,24
